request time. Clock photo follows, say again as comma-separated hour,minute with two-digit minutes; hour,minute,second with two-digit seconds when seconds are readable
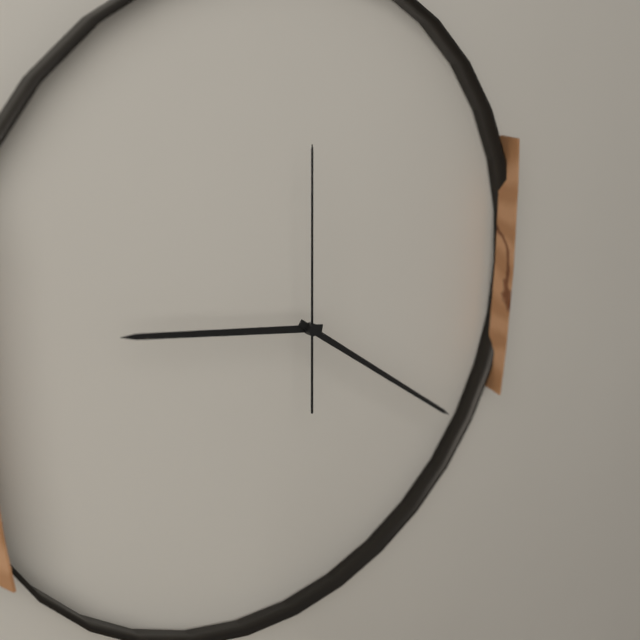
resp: 9,21,00
